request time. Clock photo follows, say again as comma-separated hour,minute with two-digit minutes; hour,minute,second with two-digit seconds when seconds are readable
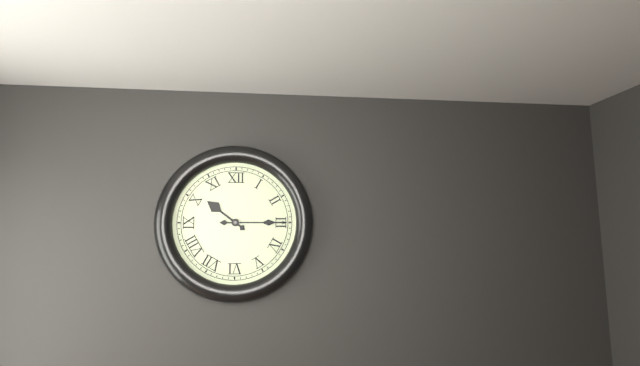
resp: 10,15
